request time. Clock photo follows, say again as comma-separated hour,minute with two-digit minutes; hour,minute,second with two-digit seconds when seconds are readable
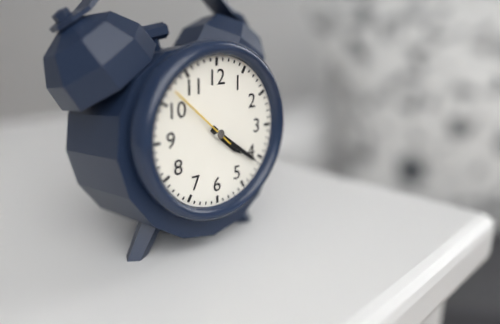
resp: 4,21,52
